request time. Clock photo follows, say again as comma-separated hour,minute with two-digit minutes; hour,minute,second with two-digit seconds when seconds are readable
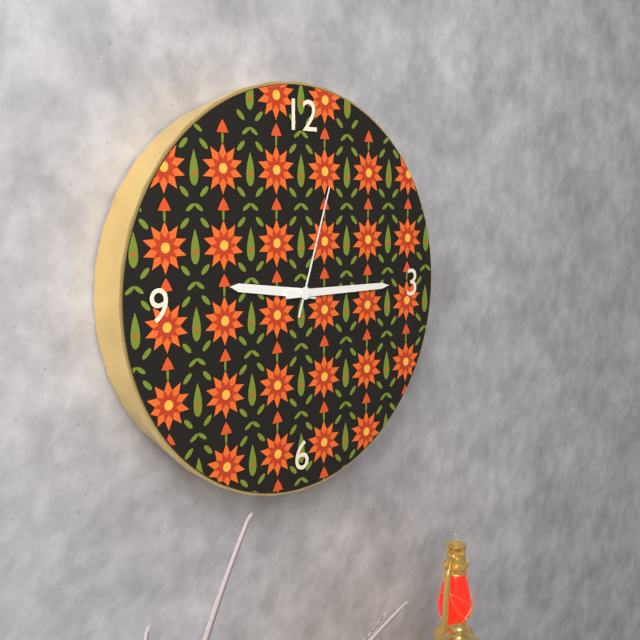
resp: 9,15,03
